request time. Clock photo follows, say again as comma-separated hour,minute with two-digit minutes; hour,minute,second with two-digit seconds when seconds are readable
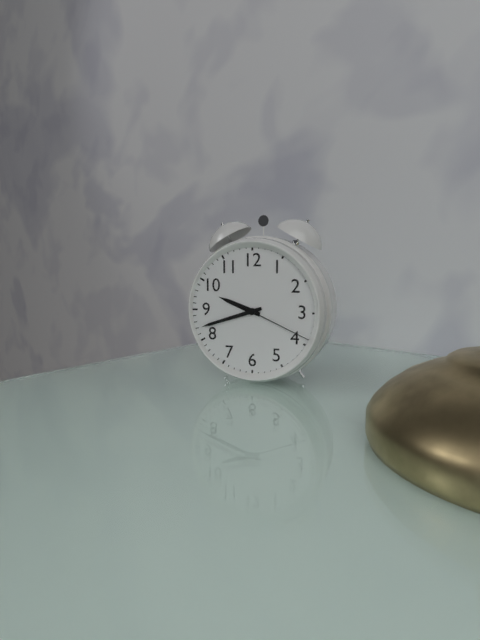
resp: 9,42,19
